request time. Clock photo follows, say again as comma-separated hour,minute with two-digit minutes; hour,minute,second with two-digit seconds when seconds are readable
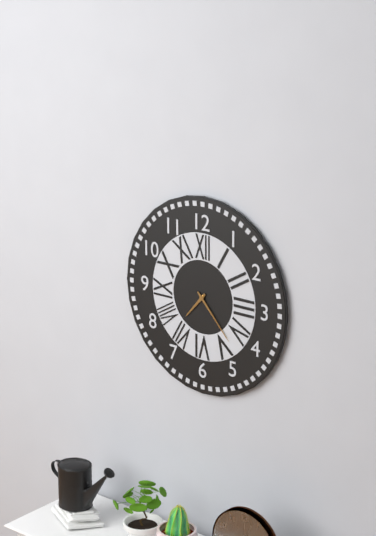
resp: 7,23
